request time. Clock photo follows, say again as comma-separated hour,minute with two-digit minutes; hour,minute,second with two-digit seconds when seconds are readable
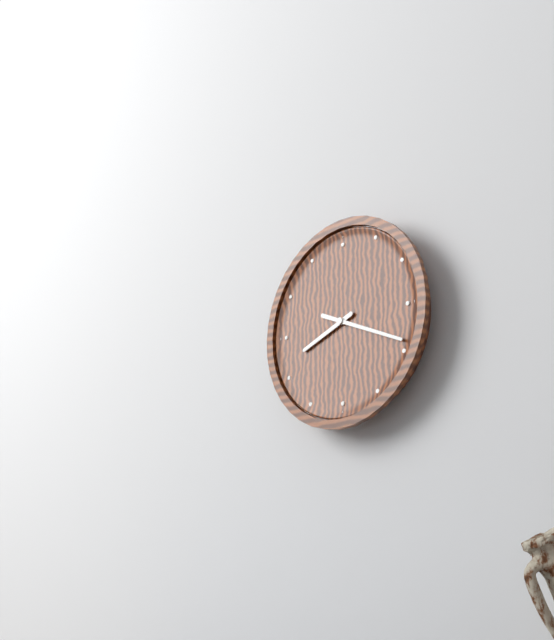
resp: 8,19
